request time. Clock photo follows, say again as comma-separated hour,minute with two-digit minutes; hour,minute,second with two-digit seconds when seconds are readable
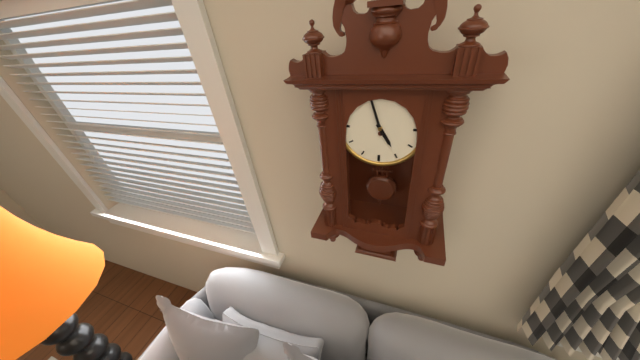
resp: 4,57
